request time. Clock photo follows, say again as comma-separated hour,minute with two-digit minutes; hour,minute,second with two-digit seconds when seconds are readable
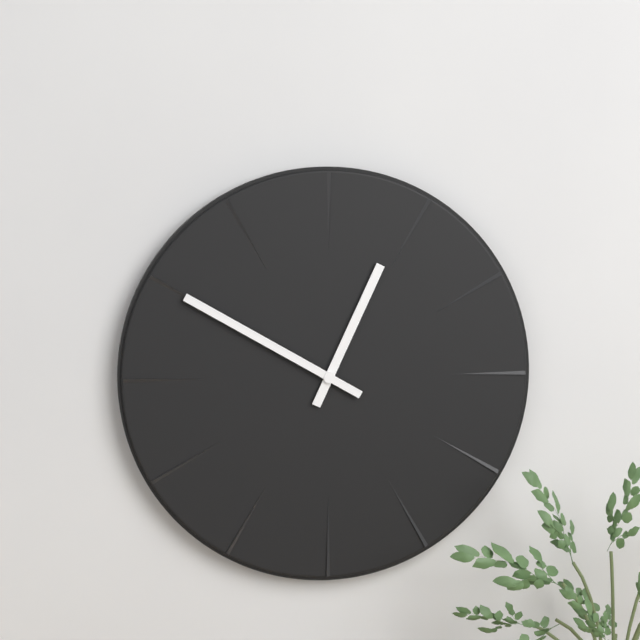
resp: 12,50
